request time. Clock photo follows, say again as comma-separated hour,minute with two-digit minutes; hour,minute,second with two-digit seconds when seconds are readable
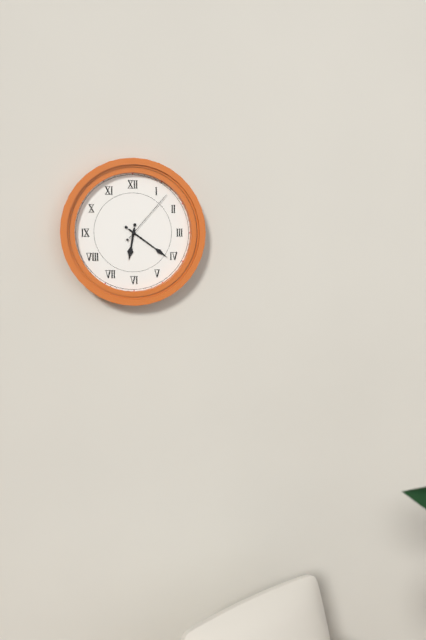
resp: 6,21,07
